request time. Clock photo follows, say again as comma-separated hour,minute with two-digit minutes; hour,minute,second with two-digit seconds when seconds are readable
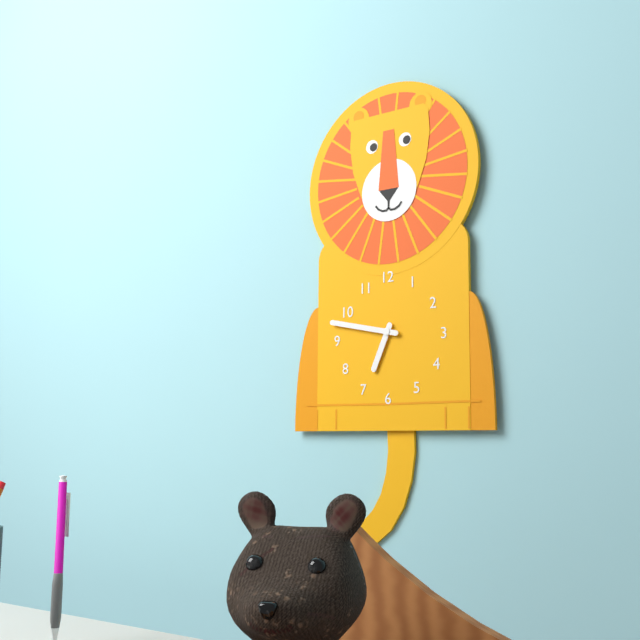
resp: 6,47
